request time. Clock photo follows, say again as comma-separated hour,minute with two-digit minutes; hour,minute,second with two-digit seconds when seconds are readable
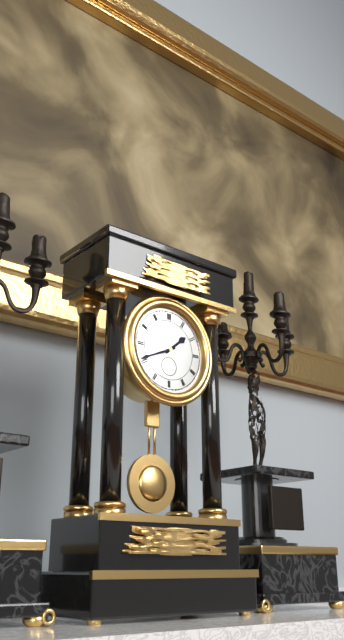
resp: 1,41
